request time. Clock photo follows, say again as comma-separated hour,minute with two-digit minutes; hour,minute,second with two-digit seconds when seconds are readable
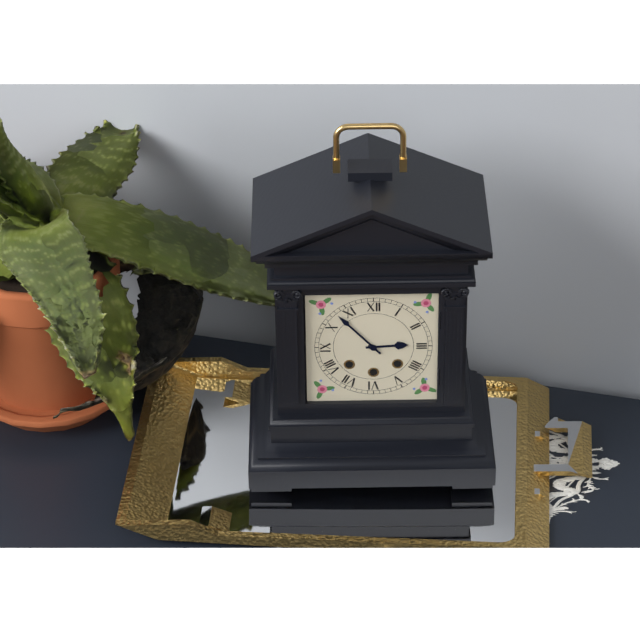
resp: 2,53
